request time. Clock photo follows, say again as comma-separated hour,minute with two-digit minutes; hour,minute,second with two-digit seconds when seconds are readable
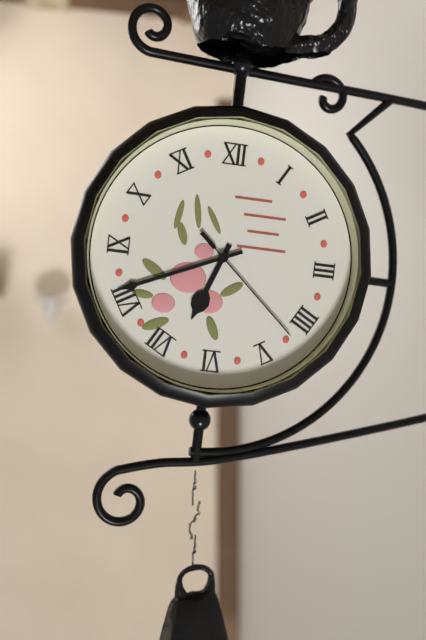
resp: 6,41,22
